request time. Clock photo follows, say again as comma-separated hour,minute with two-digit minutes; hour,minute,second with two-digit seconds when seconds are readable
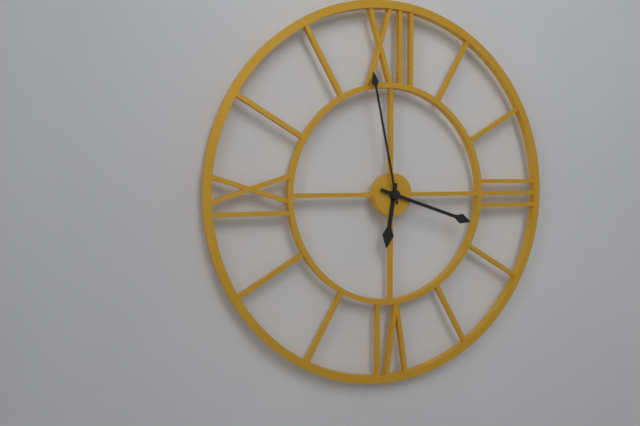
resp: 6,18,58
